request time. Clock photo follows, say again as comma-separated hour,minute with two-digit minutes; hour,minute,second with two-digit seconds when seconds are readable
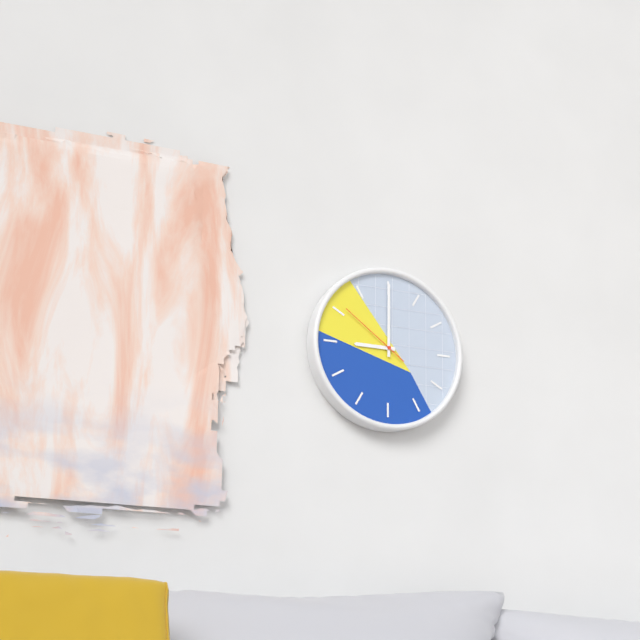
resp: 9,00,51
